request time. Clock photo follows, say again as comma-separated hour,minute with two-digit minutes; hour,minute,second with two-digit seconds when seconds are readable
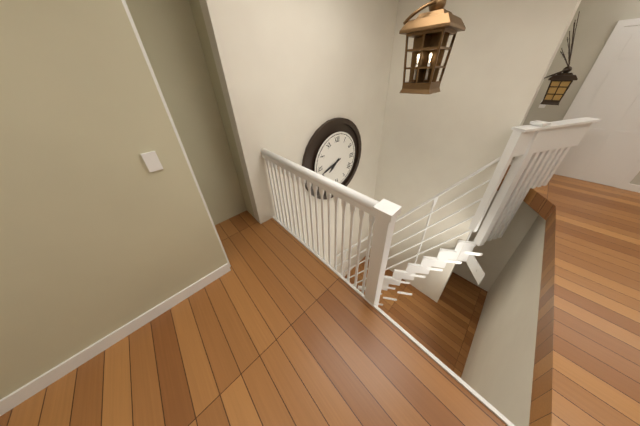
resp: 7,42
